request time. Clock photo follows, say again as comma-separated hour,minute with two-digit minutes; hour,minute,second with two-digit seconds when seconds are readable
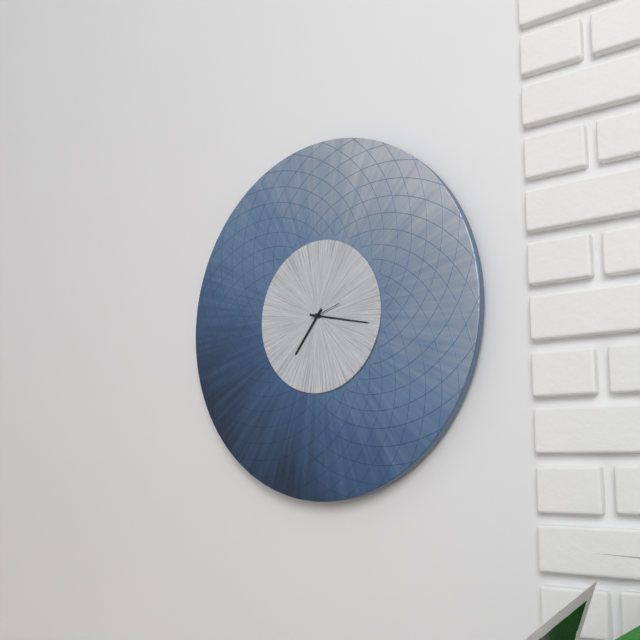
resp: 7,17
